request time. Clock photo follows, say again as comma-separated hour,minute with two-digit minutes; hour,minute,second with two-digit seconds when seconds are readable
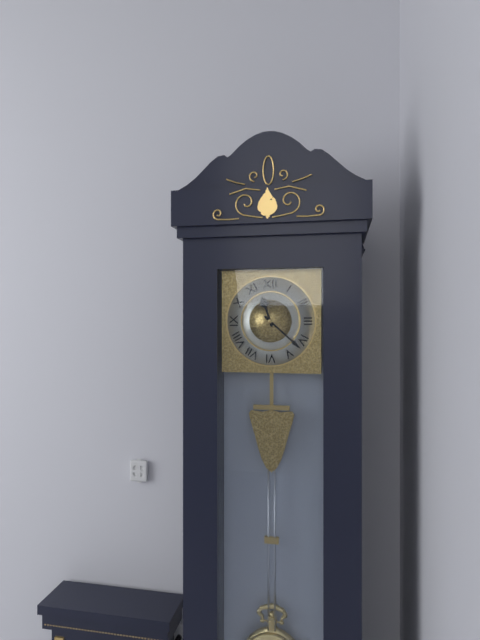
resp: 11,22
